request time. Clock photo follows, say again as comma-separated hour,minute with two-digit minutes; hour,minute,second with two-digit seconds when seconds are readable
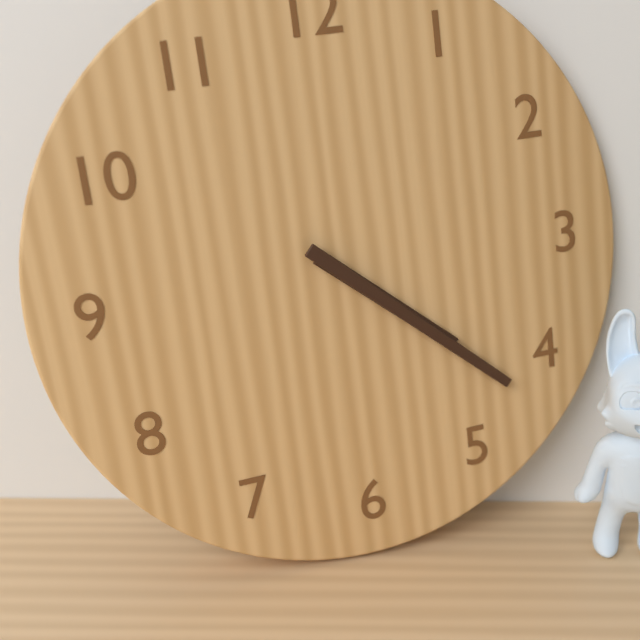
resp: 4,22
